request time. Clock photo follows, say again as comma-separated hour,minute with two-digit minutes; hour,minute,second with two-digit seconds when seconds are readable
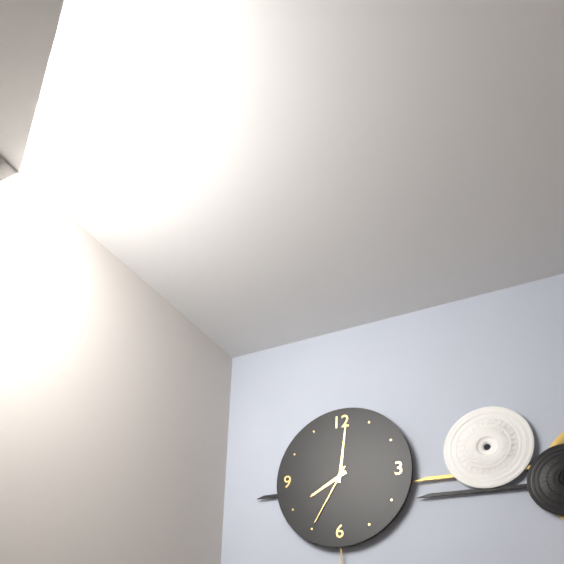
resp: 8,01,35
